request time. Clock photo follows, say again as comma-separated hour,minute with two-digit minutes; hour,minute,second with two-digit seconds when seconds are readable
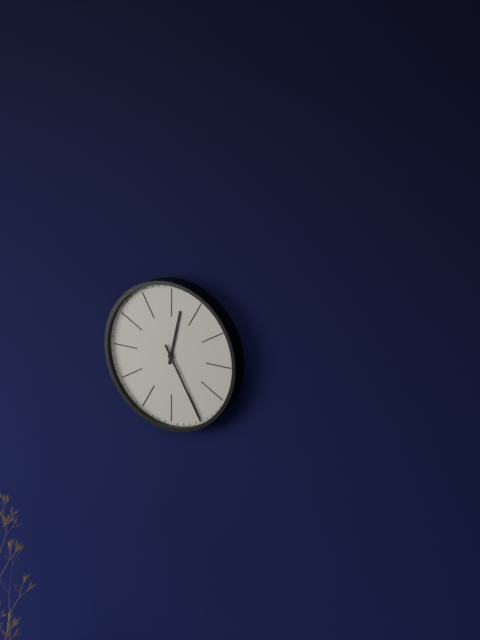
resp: 12,25
